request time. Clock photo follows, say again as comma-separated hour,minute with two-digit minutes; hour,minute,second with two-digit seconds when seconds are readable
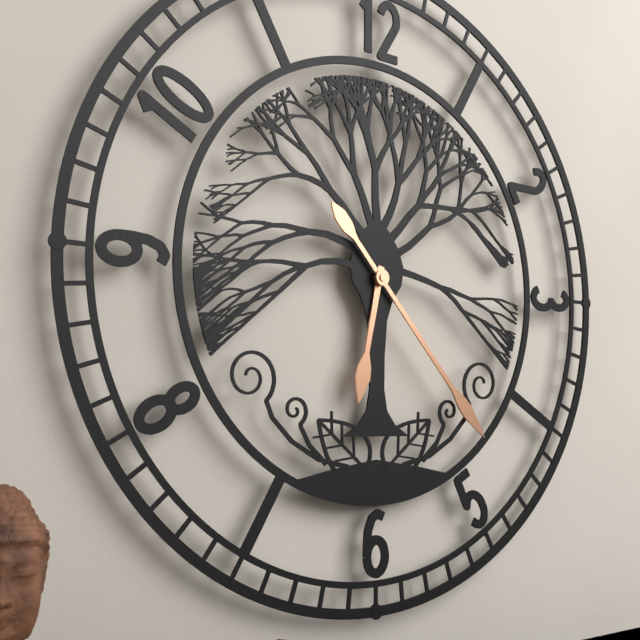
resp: 6,23
